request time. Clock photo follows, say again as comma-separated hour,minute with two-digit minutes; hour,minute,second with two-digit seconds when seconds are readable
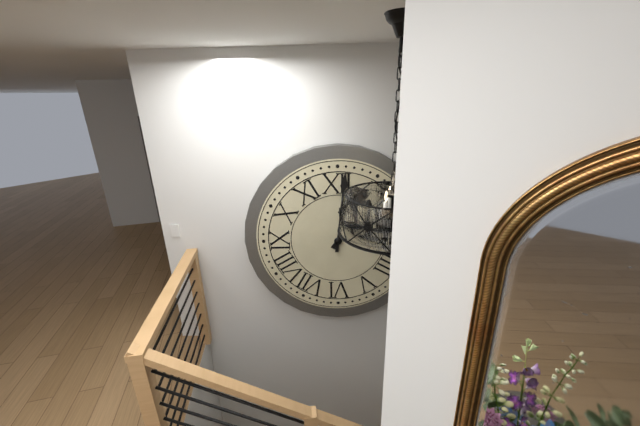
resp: 1,01
